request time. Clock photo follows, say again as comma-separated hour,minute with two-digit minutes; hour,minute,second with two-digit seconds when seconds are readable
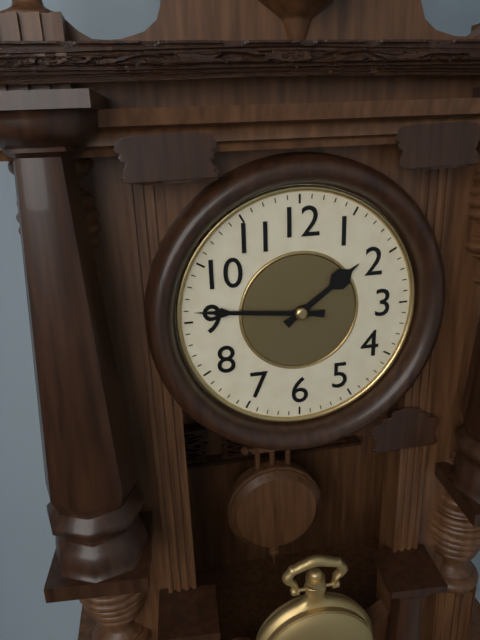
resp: 1,46
